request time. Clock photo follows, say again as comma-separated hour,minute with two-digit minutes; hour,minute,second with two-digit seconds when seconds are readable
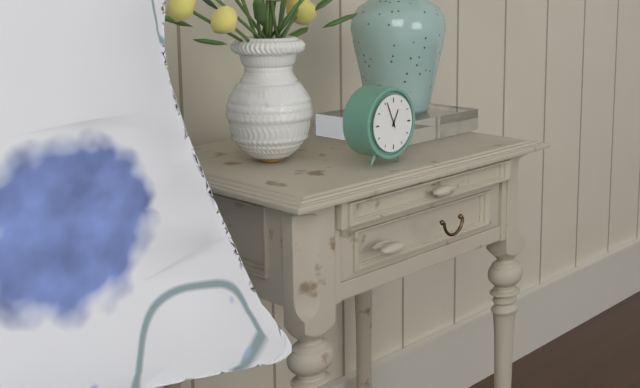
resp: 12,56
